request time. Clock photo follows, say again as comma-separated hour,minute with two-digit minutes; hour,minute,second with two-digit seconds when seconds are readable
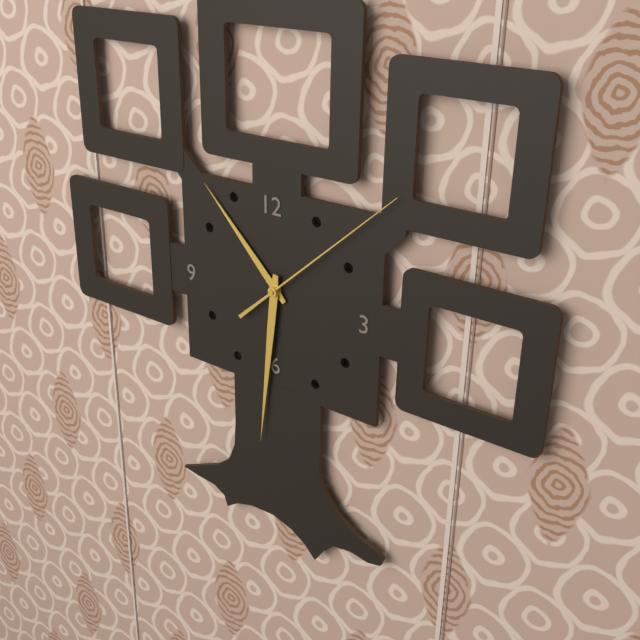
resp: 10,31,08
